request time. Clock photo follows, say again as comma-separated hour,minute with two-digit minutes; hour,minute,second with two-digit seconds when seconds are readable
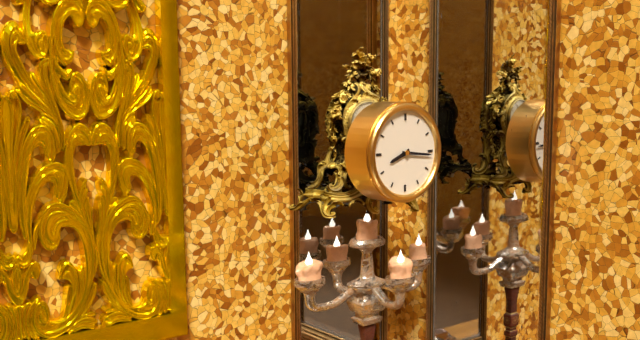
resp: 8,16
